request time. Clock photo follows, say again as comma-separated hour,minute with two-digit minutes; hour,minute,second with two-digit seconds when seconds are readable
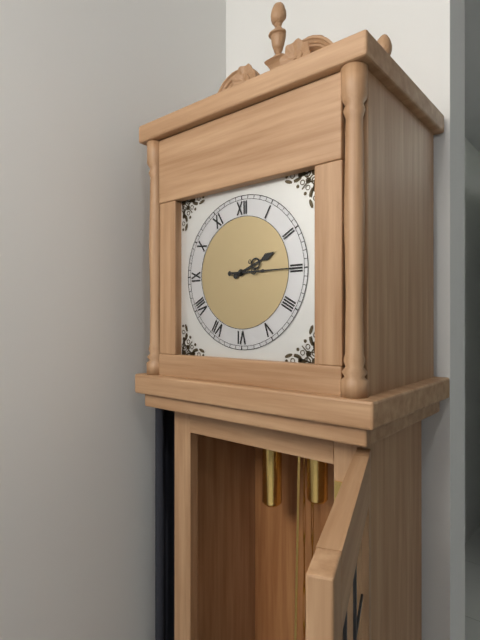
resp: 2,15
